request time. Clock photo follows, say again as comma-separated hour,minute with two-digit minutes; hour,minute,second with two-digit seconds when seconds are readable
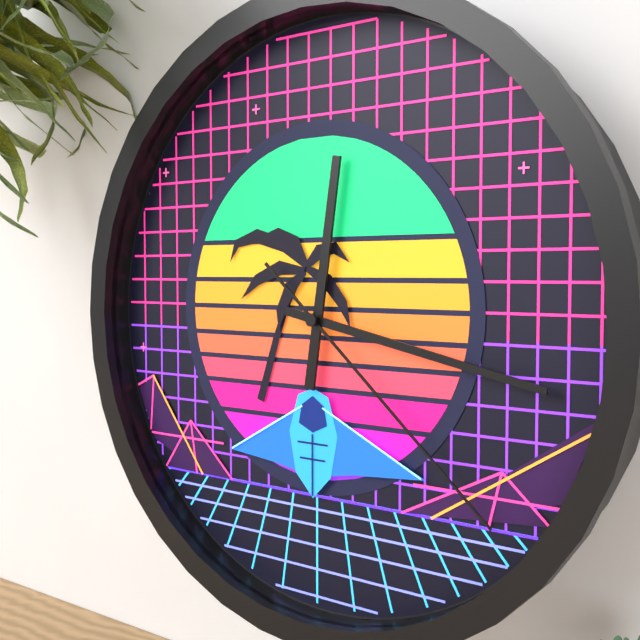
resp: 12,17,22
